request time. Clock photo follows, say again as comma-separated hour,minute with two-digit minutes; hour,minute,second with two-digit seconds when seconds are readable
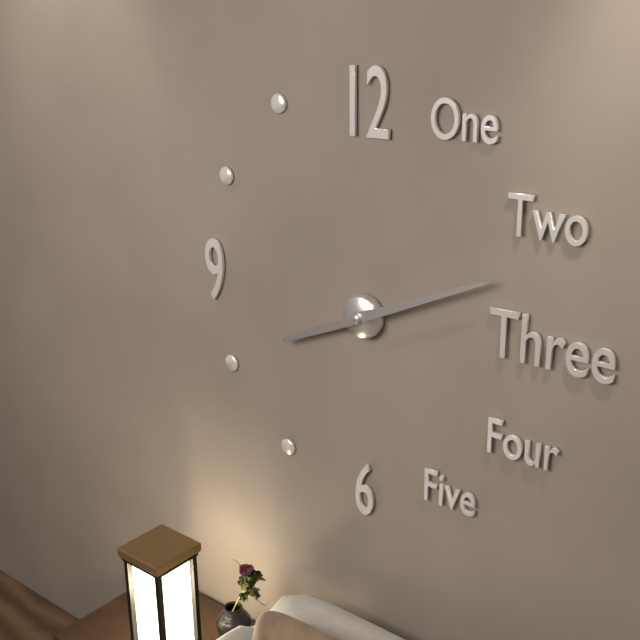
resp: 8,11
